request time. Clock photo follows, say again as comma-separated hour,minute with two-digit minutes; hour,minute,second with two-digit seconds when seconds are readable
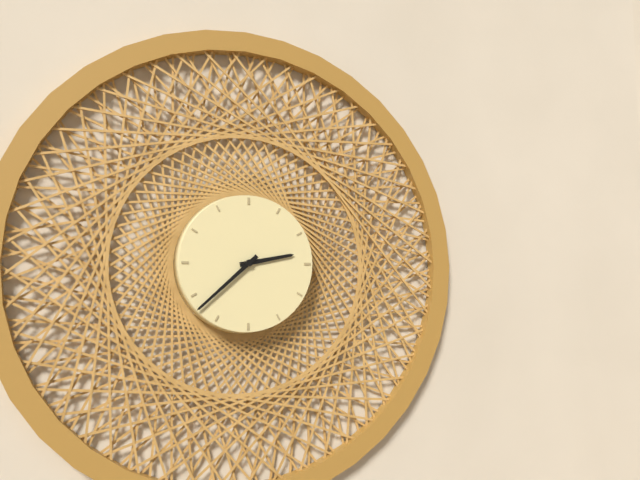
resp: 2,38
